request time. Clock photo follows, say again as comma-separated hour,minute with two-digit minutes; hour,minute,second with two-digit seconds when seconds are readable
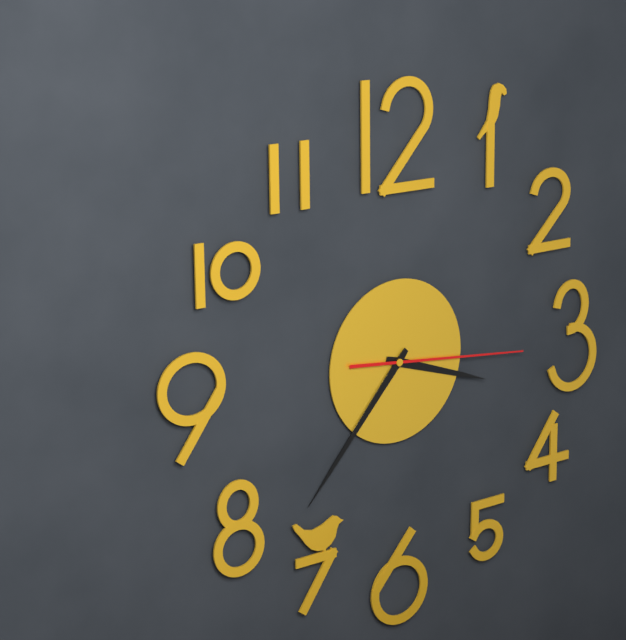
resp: 3,37,16
